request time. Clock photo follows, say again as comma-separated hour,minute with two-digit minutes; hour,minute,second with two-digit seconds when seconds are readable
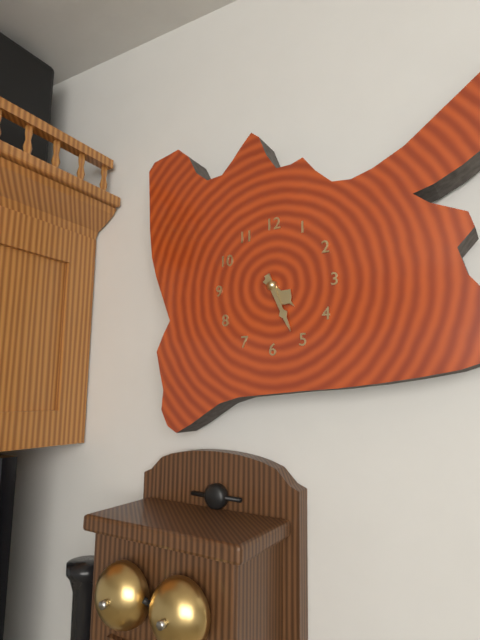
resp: 4,26
